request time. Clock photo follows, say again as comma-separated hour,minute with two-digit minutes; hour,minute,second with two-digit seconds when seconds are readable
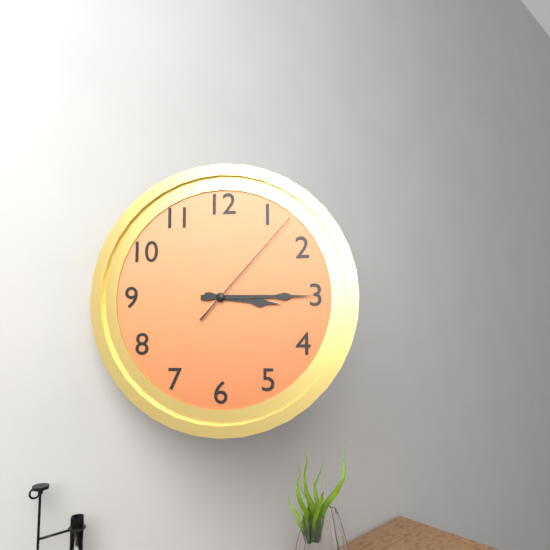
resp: 3,15,07
